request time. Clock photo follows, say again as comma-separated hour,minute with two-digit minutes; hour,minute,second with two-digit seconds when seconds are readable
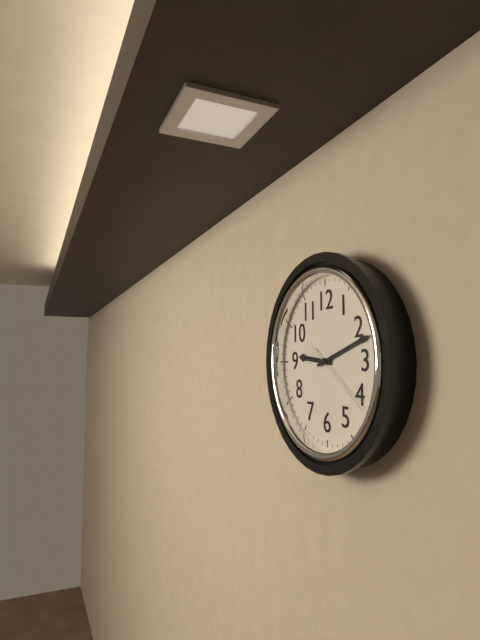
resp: 9,12,21
